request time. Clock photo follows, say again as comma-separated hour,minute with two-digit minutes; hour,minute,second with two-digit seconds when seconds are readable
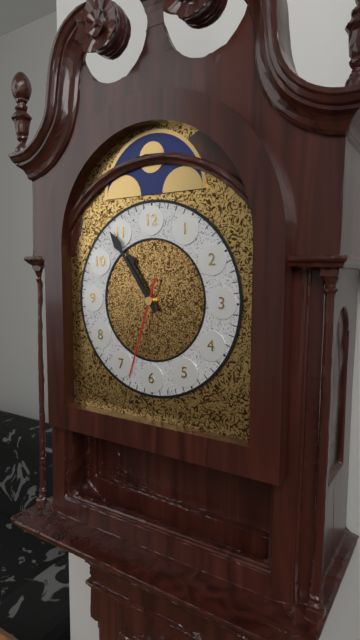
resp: 10,54,33
